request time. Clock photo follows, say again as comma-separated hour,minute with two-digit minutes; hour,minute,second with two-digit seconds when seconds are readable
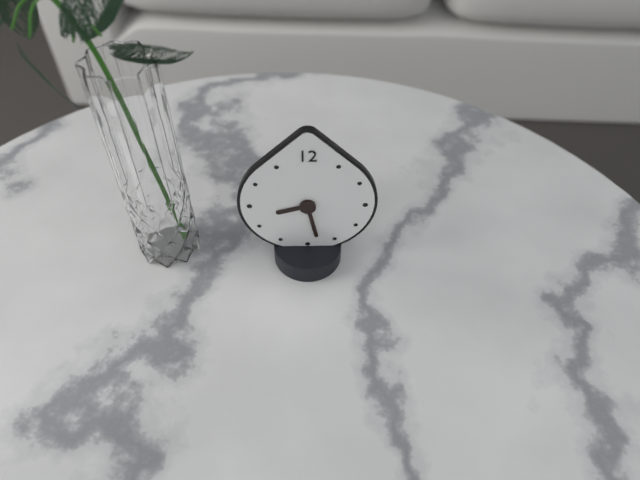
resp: 8,28
